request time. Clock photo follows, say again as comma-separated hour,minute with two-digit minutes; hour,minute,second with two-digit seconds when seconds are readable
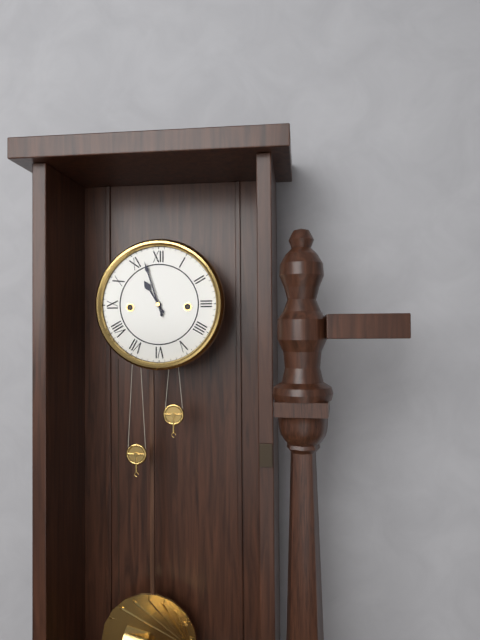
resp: 10,57
